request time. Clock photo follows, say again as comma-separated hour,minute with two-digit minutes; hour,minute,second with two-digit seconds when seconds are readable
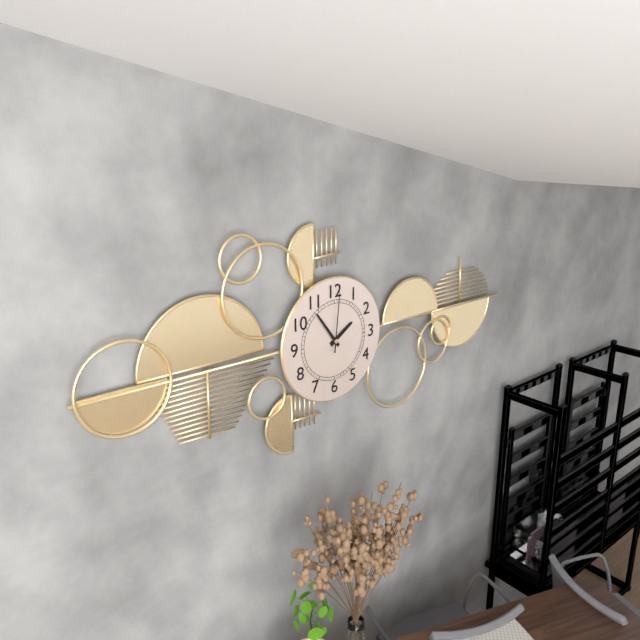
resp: 1,54,01
